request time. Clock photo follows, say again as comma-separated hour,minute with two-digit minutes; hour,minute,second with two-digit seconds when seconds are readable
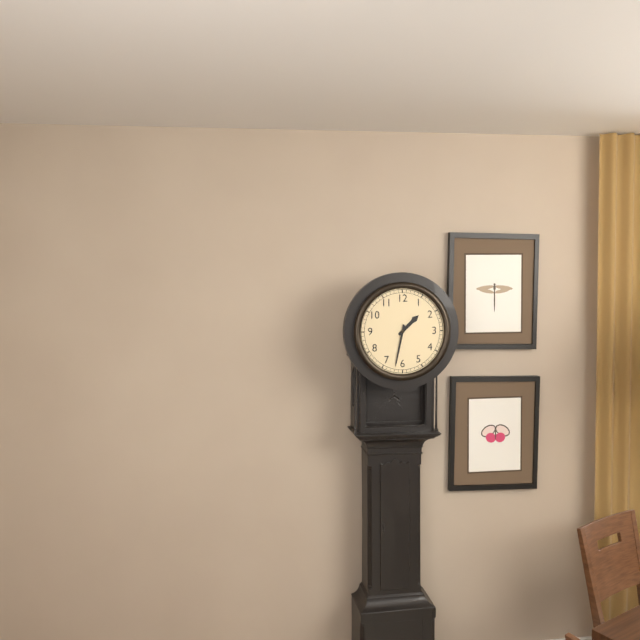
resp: 1,32
